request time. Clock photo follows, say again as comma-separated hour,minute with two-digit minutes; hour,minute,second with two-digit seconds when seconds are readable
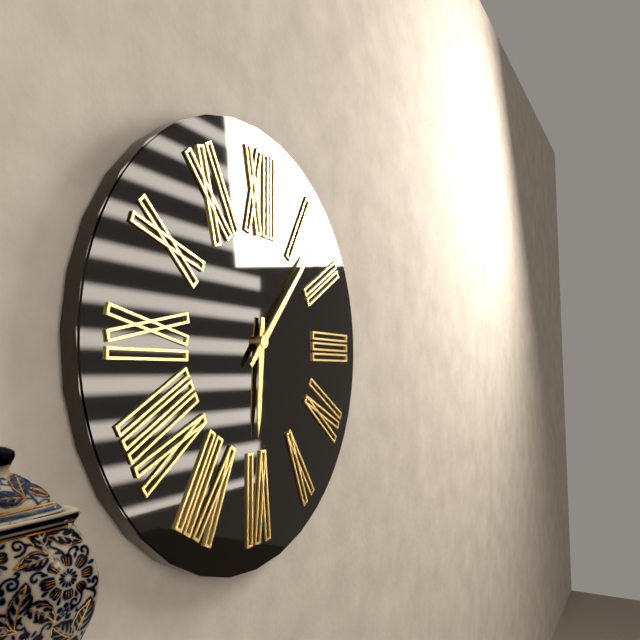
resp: 6,07
